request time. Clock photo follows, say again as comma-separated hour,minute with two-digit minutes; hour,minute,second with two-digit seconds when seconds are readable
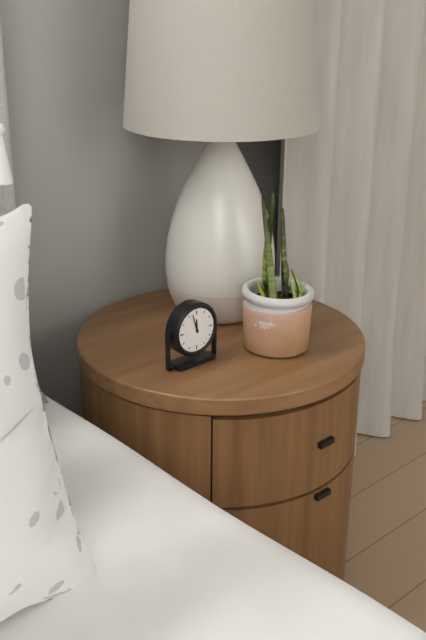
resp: 11,57
